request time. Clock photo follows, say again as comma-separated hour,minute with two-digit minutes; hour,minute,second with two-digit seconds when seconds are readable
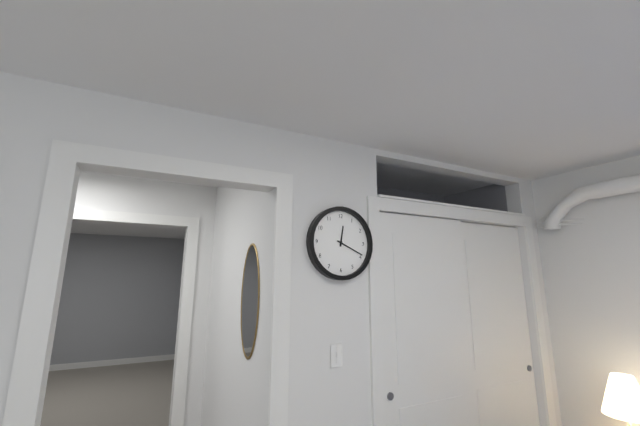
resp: 12,19
